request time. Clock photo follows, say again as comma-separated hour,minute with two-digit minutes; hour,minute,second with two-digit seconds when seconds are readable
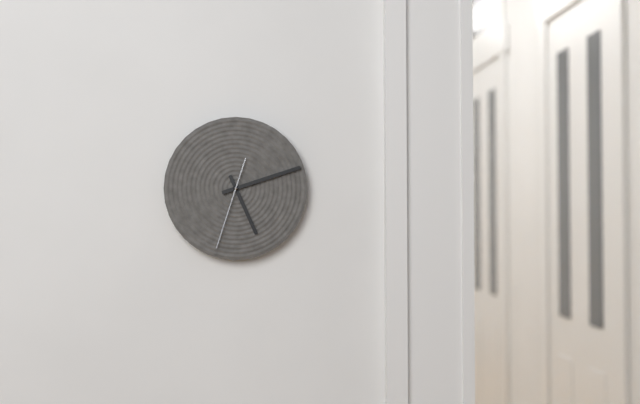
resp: 5,12,33
